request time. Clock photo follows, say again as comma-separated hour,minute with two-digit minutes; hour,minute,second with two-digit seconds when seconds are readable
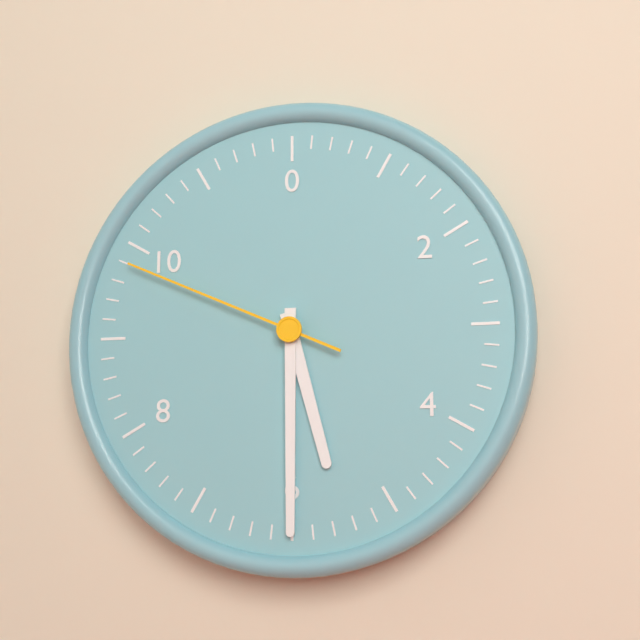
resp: 5,30,49
